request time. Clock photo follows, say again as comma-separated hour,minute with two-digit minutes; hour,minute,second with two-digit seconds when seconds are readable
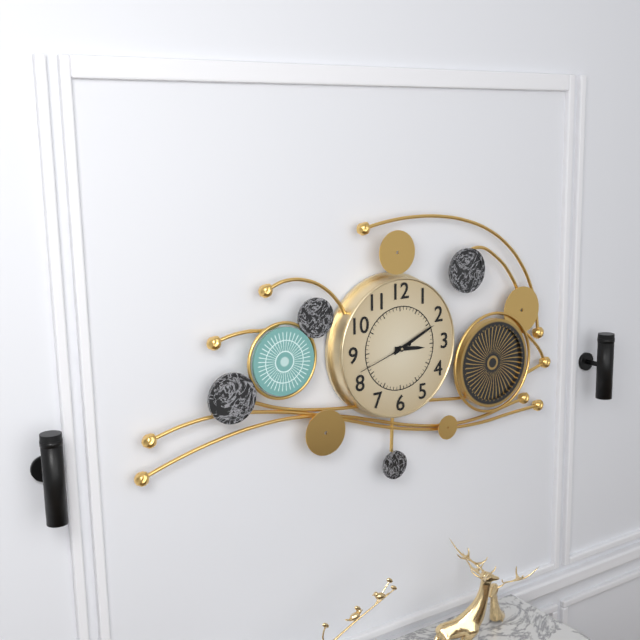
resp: 3,11,42
